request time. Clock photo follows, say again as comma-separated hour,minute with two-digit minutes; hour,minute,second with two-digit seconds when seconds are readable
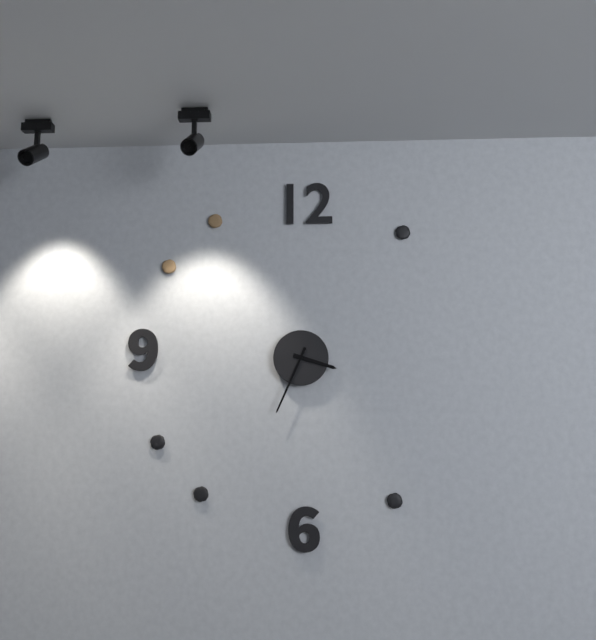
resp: 3,34
